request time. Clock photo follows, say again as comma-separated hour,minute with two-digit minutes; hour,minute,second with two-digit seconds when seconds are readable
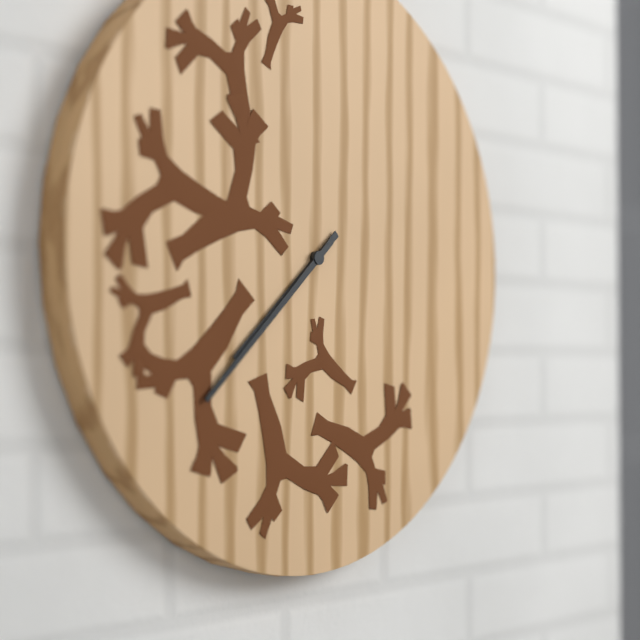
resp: 7,38
